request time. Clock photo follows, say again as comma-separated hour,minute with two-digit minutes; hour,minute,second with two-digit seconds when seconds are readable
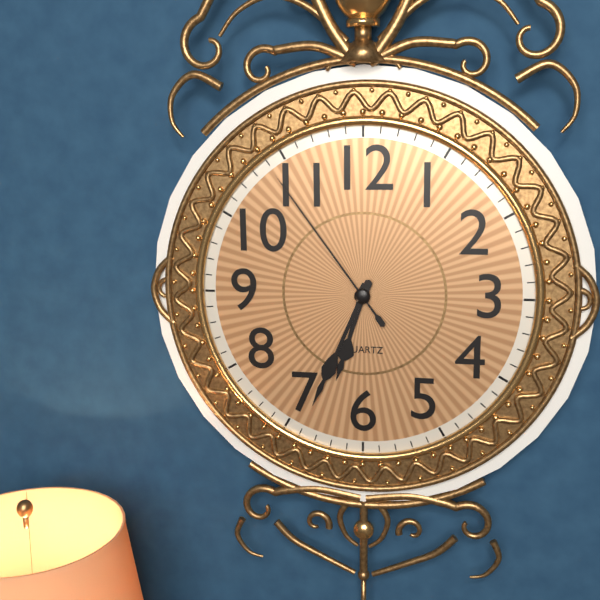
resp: 6,34,54
